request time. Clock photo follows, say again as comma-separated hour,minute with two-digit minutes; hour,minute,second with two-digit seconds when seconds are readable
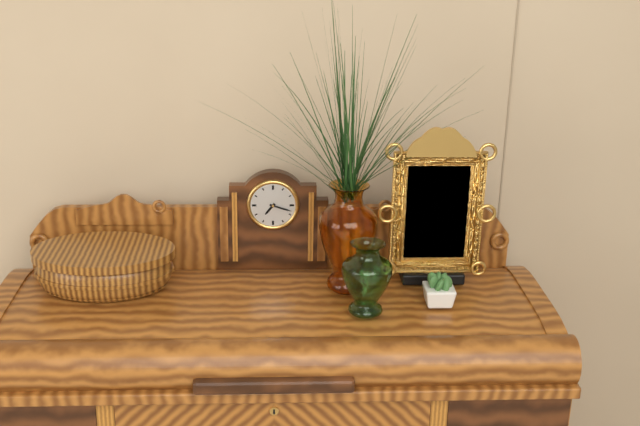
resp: 7,18
